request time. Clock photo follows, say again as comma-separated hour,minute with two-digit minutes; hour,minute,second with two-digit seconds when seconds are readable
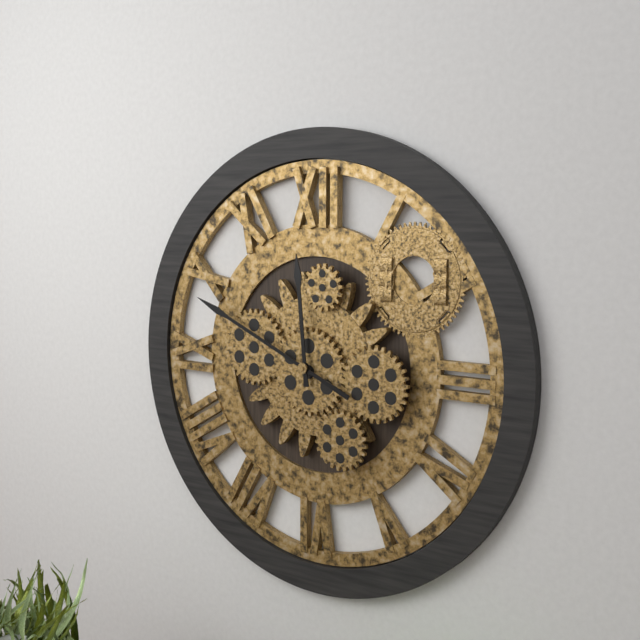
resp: 11,49
